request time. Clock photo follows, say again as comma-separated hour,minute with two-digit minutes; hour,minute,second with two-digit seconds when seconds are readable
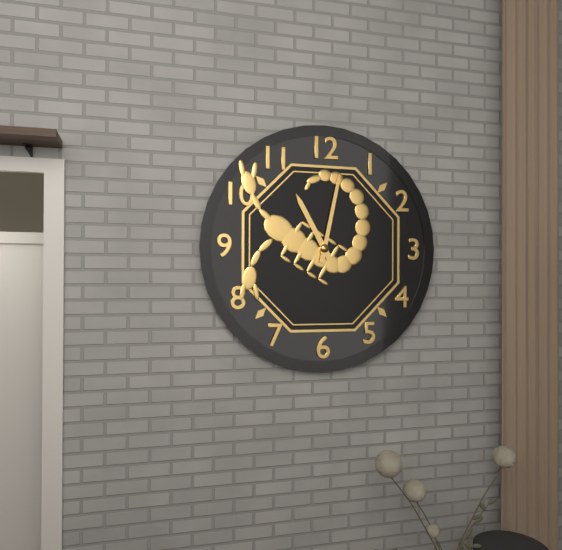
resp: 11,02
